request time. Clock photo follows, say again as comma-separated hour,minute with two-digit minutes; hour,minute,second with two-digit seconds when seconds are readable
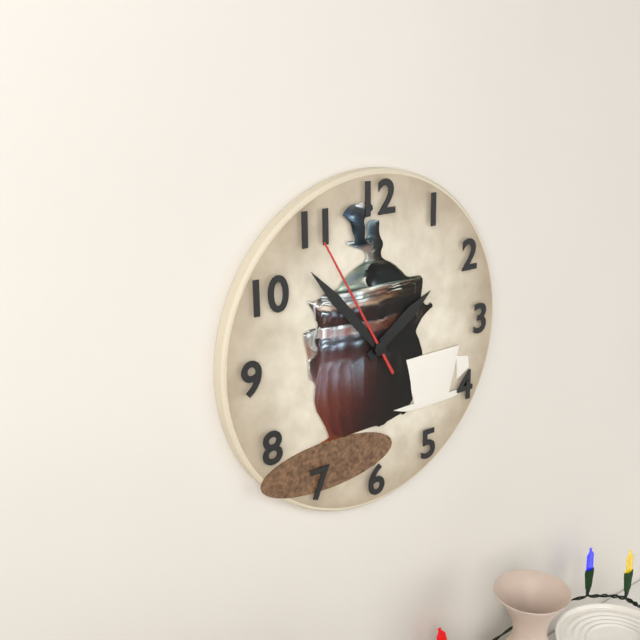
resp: 1,53,55
